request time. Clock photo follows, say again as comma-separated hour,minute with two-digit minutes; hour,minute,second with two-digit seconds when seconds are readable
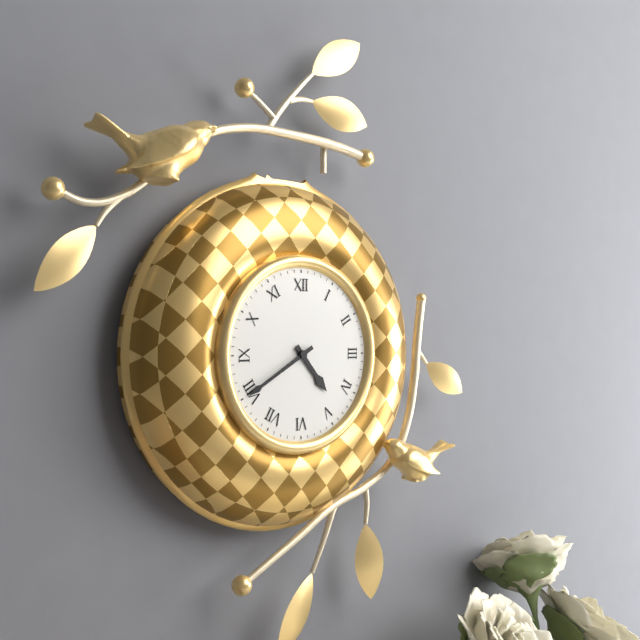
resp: 4,40
